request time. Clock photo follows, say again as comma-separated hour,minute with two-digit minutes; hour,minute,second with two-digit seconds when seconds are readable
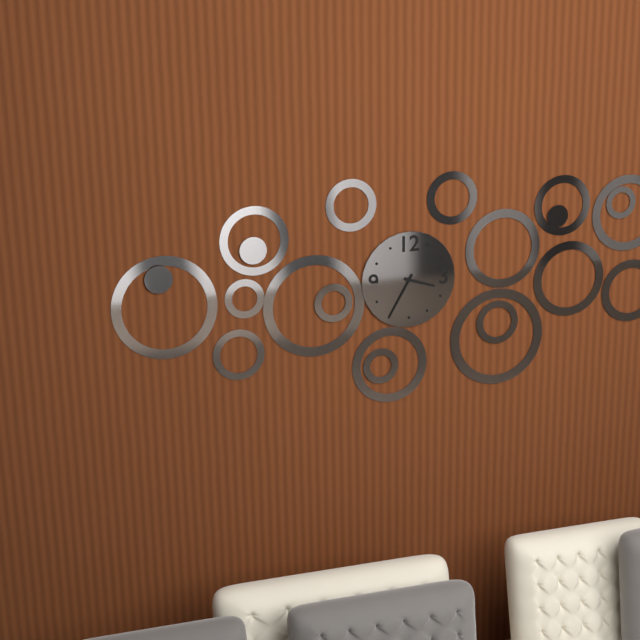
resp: 3,35
